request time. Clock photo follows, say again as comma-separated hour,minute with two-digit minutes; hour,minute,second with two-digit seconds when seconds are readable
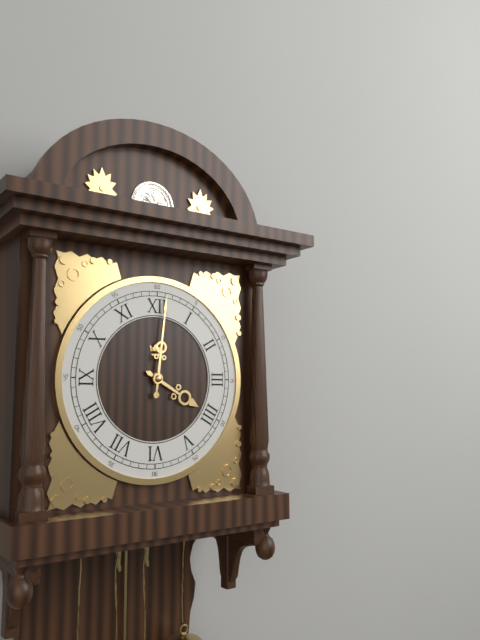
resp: 4,01
